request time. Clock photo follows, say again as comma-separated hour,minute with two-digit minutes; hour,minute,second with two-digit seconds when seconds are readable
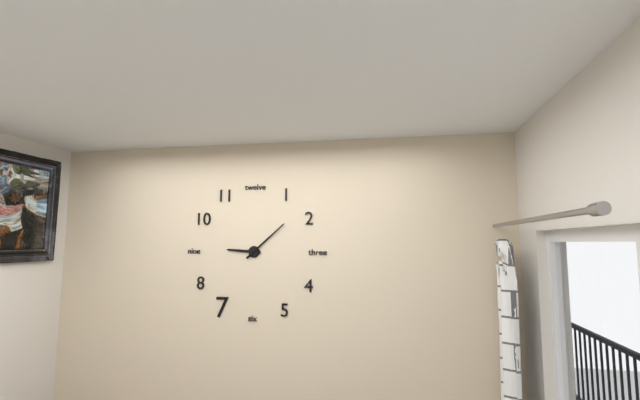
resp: 9,08
